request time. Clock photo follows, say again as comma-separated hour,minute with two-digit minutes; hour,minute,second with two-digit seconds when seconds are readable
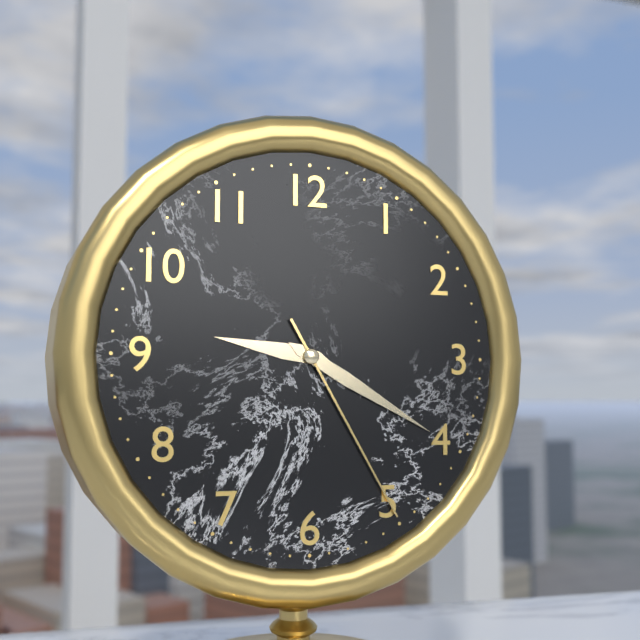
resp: 9,20,25
